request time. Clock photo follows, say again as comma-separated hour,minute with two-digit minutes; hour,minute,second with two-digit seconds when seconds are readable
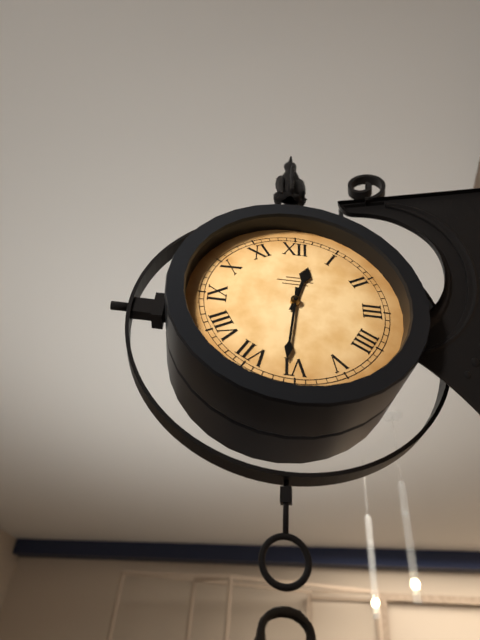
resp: 12,31
